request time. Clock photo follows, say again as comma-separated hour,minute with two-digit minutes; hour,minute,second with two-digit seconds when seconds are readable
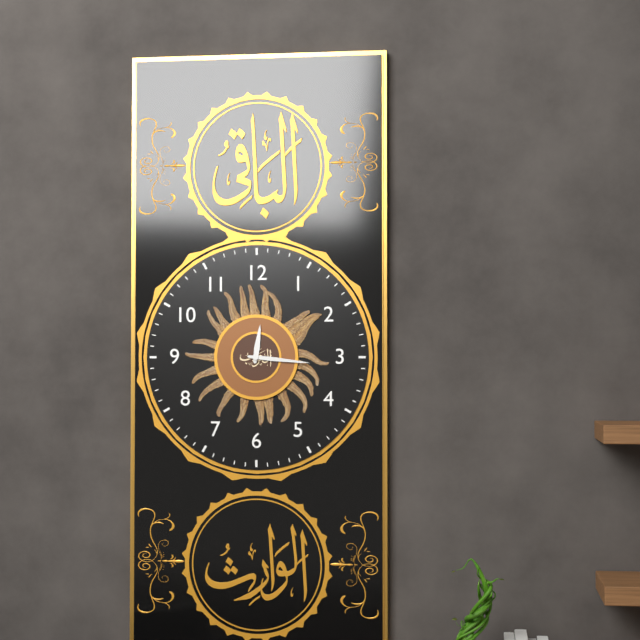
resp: 12,16
